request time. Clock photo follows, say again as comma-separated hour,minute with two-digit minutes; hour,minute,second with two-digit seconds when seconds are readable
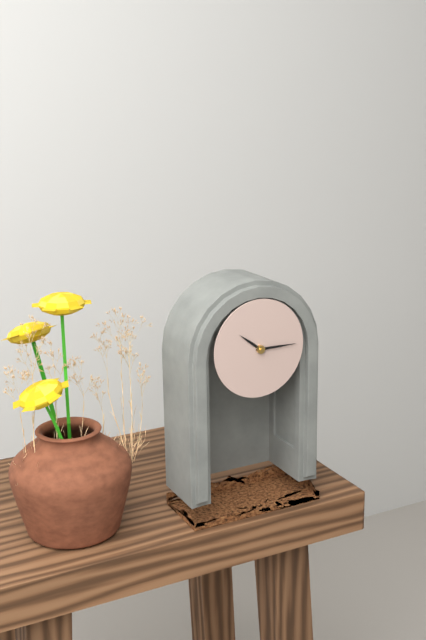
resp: 10,15
